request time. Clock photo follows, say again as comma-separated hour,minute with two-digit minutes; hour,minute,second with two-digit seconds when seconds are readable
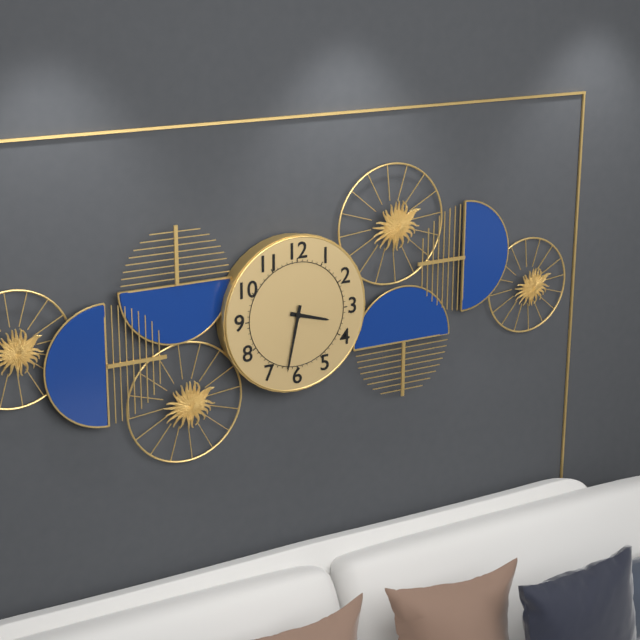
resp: 3,32
